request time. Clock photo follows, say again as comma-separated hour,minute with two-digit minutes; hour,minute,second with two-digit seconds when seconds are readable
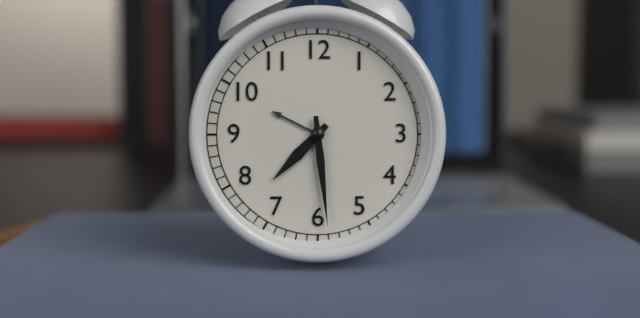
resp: 7,29
